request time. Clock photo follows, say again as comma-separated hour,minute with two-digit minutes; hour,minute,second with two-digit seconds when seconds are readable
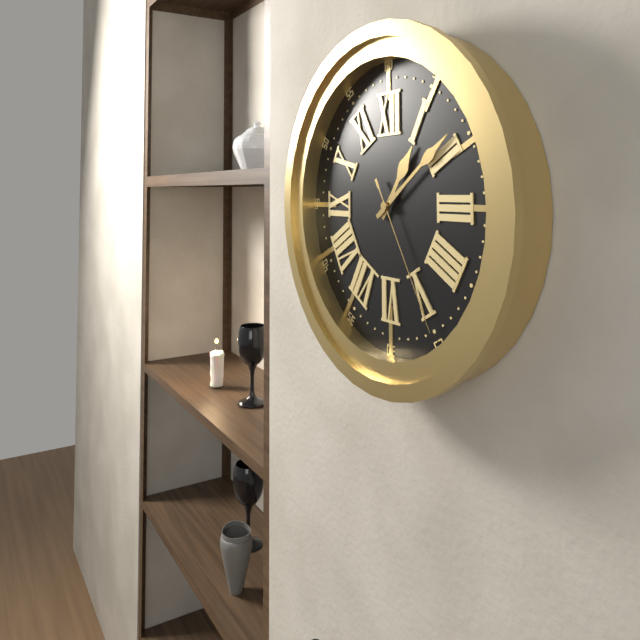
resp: 1,09,25
